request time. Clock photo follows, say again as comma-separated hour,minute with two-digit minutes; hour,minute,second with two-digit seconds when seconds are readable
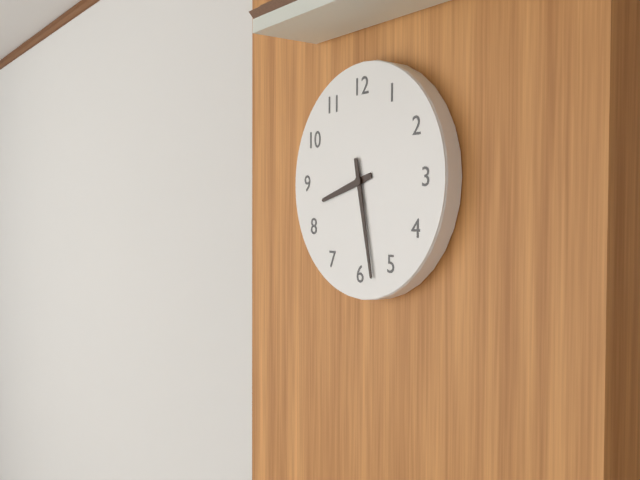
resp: 8,28
